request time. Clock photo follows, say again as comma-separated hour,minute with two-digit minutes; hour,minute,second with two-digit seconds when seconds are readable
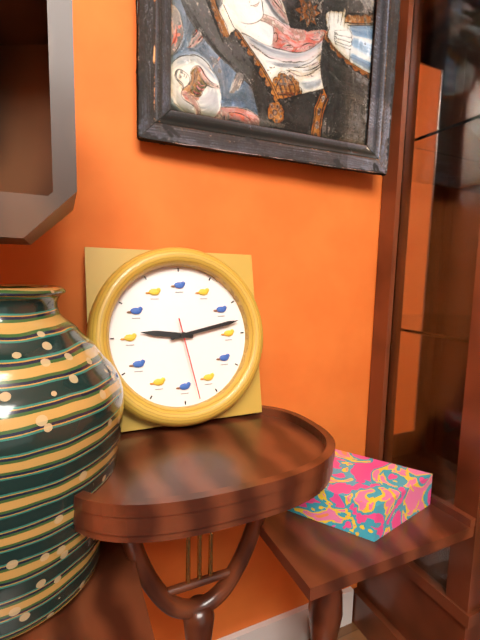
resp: 9,13,28
